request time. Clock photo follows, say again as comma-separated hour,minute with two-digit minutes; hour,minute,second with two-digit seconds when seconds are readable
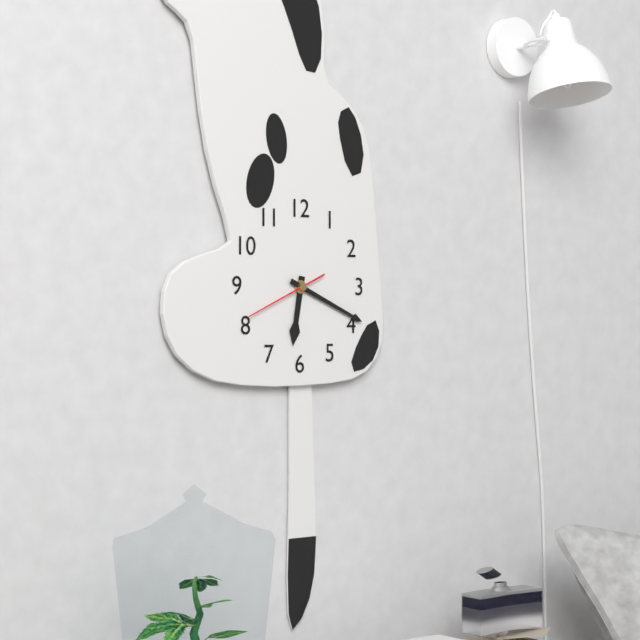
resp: 6,19,41
